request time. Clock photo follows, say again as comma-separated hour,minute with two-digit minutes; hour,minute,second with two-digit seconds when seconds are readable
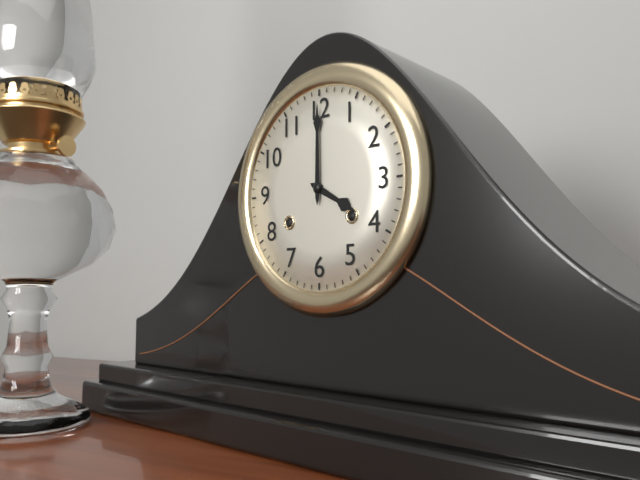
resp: 4,00
